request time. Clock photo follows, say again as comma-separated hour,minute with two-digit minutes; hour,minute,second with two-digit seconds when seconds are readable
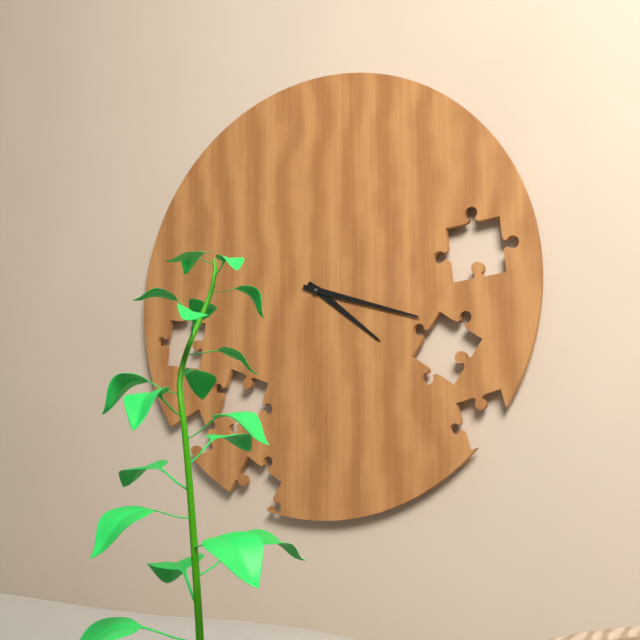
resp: 4,18
